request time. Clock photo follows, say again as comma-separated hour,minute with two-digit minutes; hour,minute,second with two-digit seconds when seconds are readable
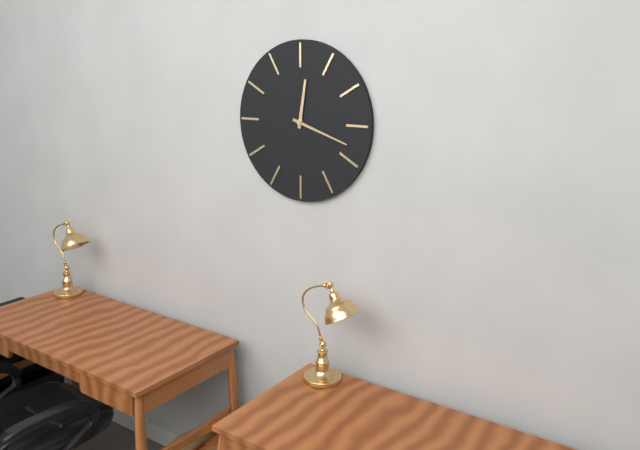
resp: 12,18
